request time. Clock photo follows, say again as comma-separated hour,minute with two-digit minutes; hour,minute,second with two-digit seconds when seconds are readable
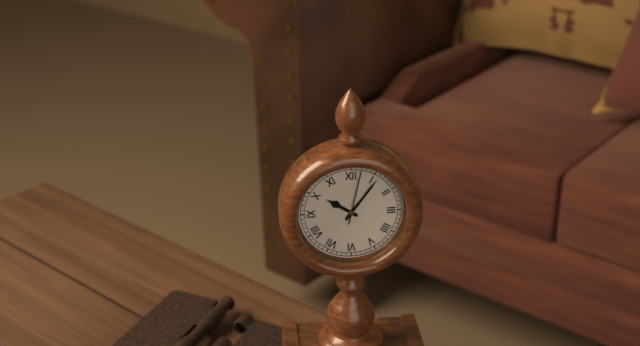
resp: 10,06,02
